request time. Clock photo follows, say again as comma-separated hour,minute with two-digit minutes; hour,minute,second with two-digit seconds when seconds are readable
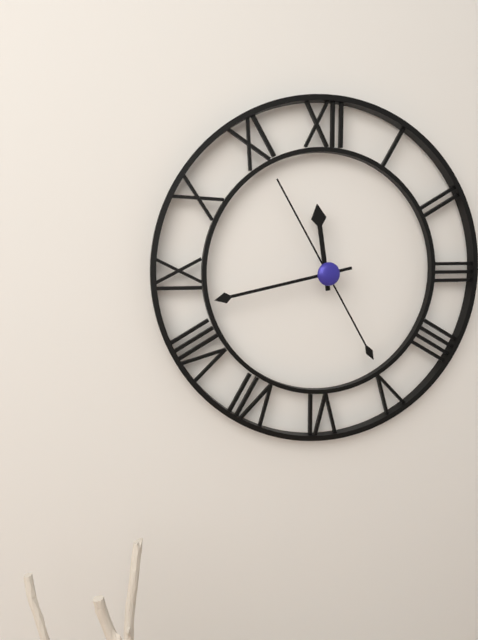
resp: 11,43,55
